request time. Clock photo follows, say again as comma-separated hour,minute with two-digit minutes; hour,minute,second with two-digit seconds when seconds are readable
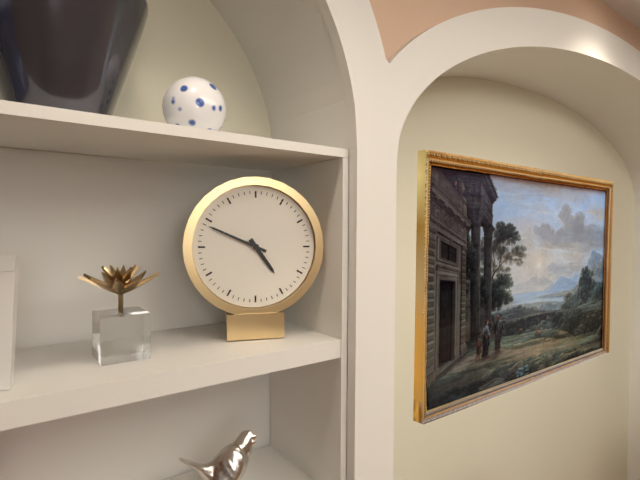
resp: 4,49
